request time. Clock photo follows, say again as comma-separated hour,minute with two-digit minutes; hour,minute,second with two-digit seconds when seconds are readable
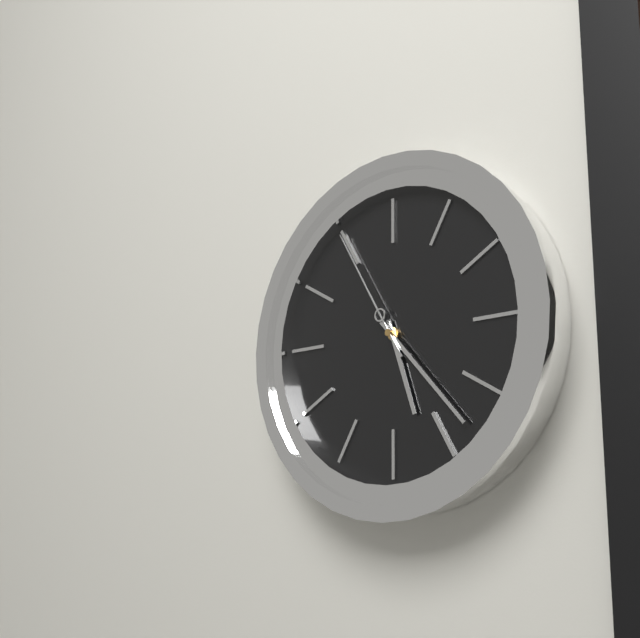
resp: 5,23,55
